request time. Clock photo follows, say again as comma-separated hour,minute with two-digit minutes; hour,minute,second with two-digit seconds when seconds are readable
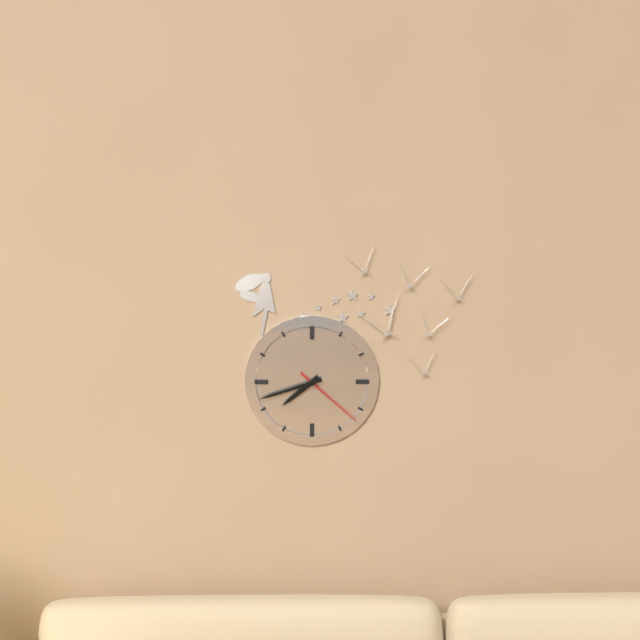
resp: 7,42,22
